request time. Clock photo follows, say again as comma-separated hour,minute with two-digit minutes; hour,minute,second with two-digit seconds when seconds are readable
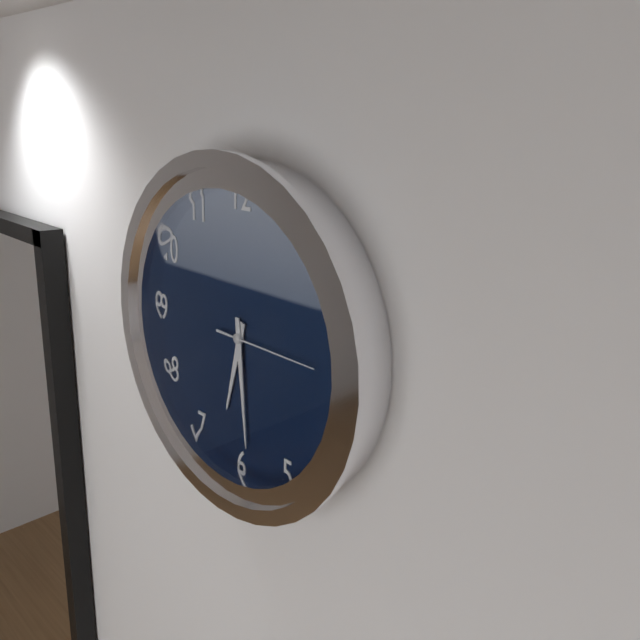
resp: 6,29,15
